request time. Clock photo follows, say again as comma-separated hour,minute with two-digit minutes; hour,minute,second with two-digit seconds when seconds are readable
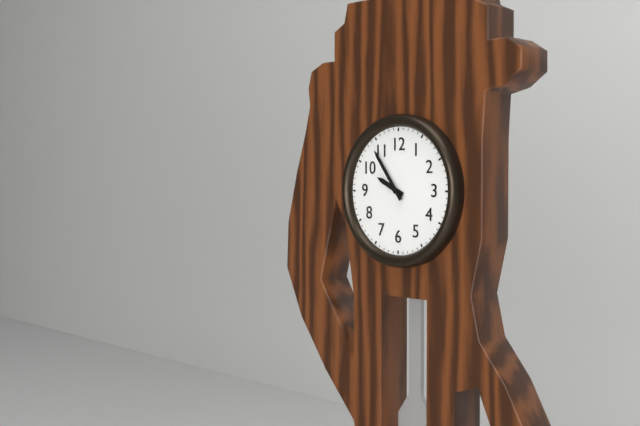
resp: 9,54
